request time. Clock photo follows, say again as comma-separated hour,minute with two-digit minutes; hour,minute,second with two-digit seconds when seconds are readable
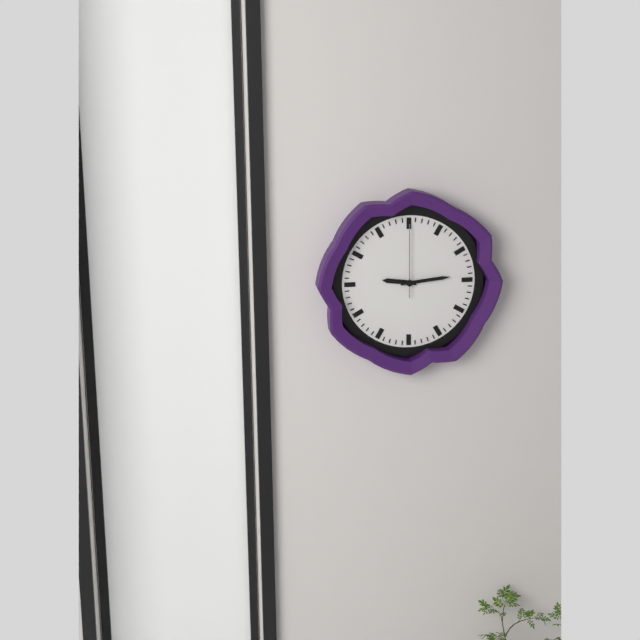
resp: 9,14,00
